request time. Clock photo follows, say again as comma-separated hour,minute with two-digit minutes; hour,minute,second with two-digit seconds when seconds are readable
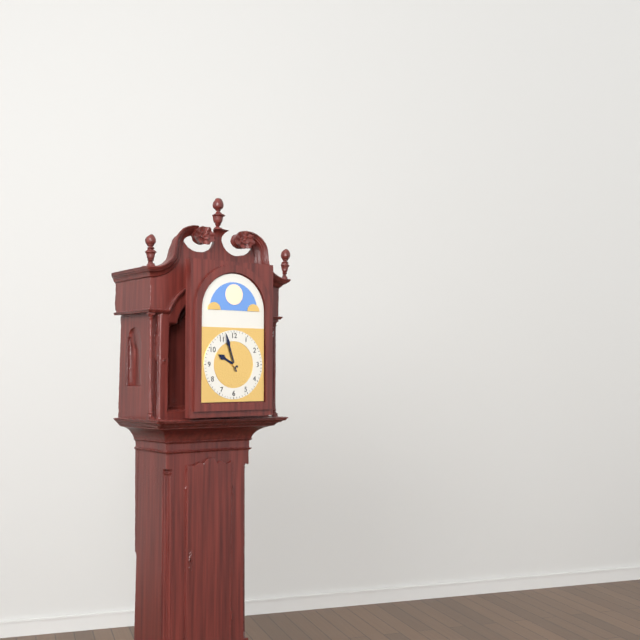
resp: 9,57
